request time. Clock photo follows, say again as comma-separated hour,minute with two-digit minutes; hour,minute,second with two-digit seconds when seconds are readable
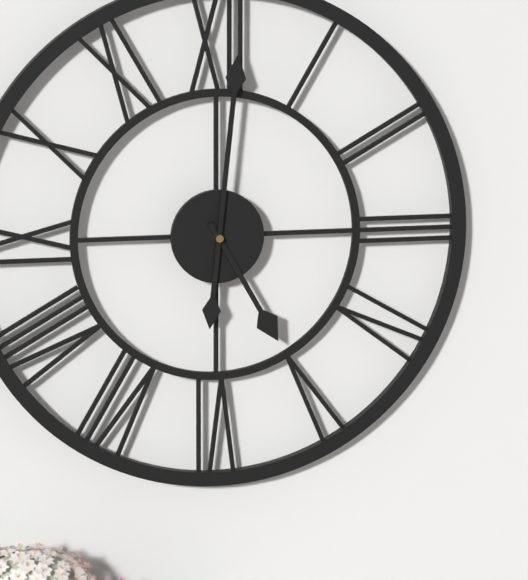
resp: 5,01
